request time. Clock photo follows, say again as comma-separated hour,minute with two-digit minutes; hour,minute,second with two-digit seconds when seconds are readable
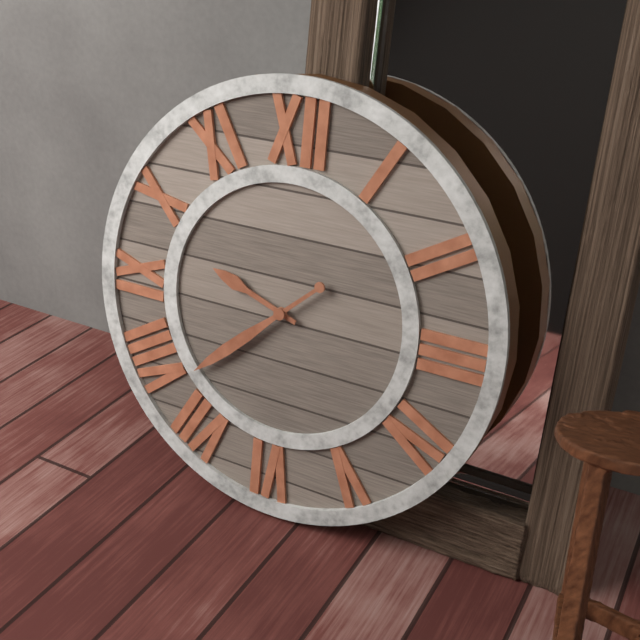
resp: 9,38
